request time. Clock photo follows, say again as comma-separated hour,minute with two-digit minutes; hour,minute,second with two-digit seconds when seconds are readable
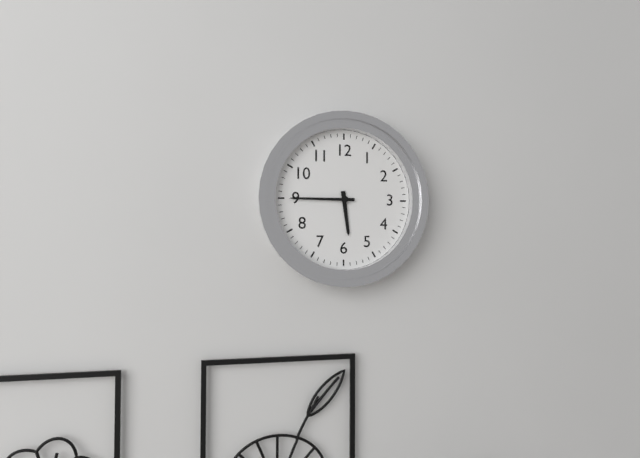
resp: 5,45
